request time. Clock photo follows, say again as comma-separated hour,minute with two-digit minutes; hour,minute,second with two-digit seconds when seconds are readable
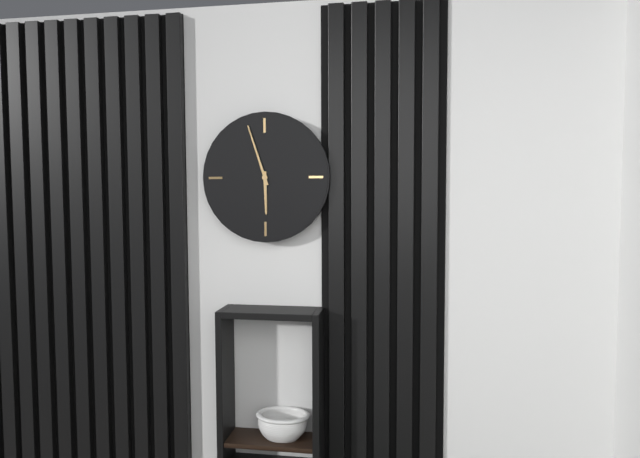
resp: 5,57
